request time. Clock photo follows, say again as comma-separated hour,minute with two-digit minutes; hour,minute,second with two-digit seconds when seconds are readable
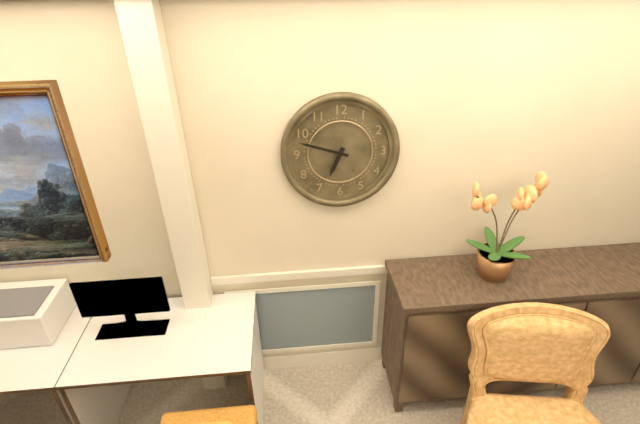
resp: 6,48
